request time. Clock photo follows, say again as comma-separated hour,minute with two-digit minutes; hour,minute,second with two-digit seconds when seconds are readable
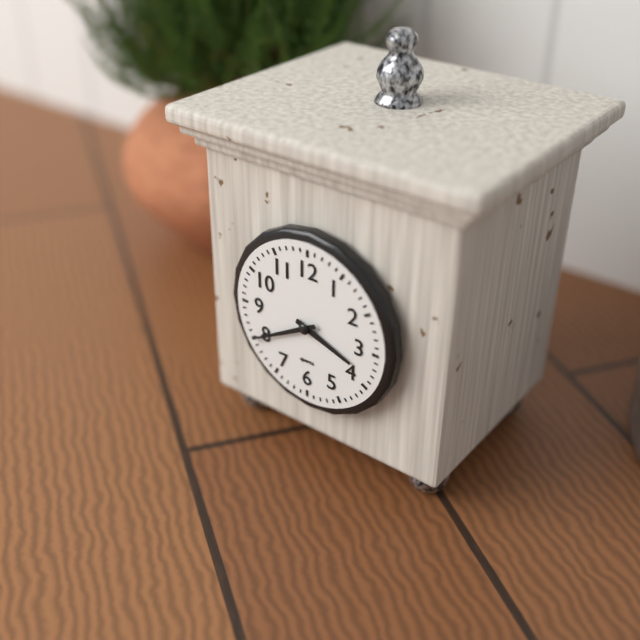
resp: 3,40
